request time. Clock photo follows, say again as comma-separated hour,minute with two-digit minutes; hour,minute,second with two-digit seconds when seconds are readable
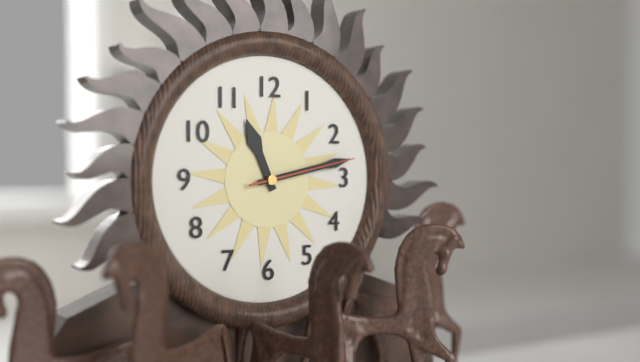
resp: 11,13,13
